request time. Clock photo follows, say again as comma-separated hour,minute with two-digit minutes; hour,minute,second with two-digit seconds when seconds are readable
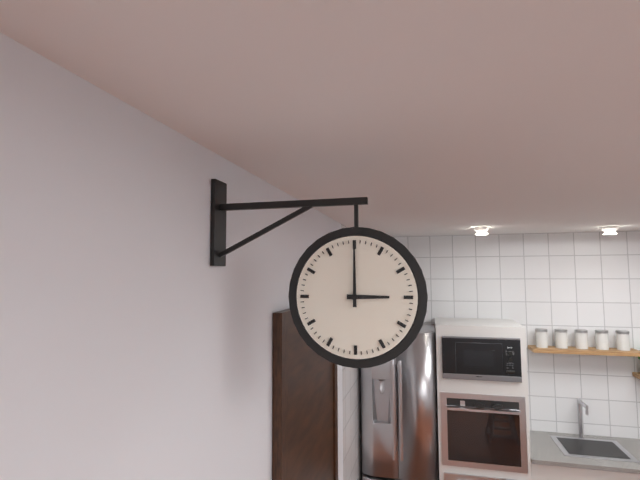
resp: 3,00
